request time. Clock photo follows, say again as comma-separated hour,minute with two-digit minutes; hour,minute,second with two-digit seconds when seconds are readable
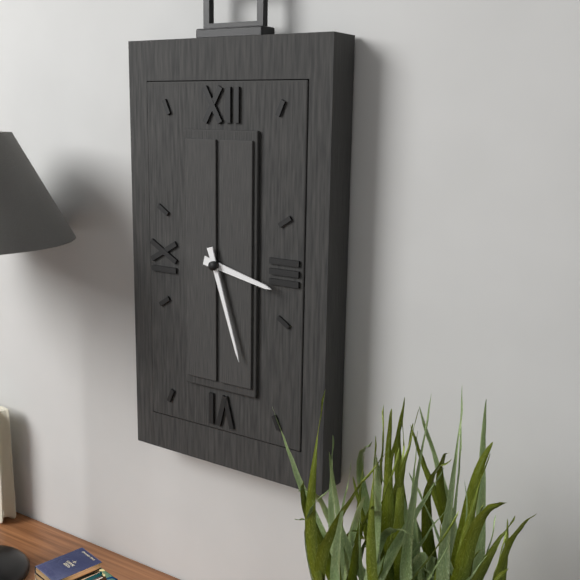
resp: 3,27
